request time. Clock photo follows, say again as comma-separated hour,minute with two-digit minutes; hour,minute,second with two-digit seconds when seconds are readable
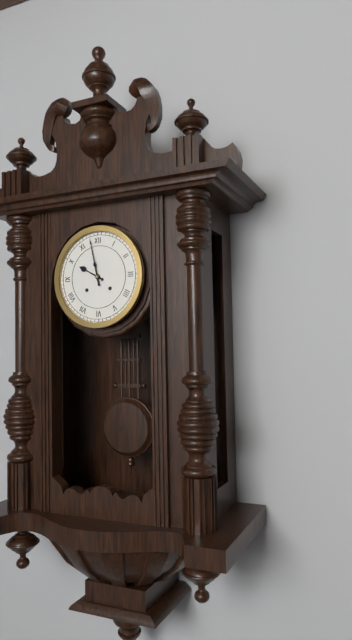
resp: 9,58
